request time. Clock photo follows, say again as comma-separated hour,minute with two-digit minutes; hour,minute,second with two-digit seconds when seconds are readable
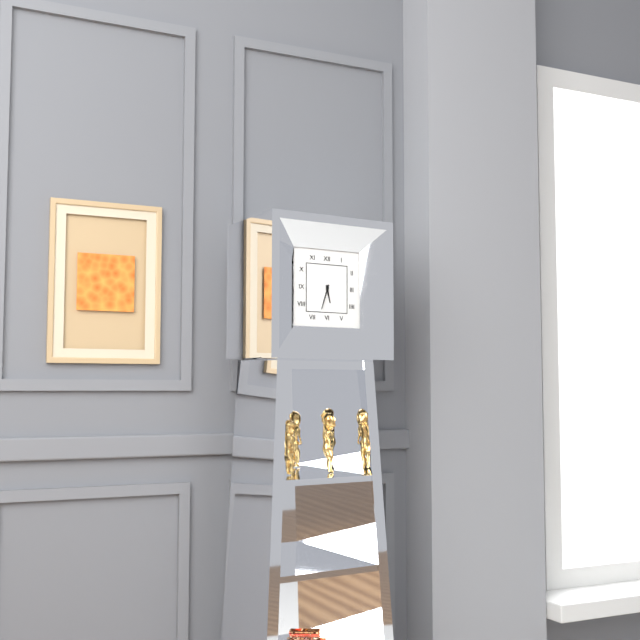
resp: 5,33
